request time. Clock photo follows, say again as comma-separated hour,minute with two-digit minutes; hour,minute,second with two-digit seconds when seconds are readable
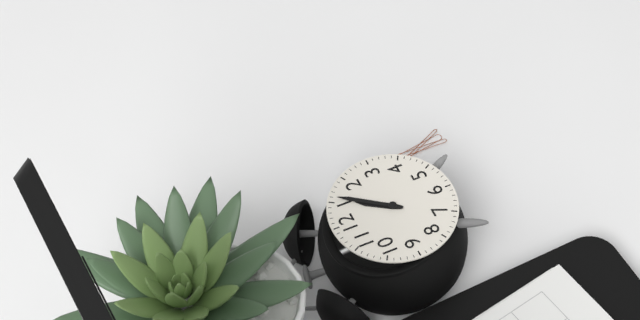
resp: 1,06
